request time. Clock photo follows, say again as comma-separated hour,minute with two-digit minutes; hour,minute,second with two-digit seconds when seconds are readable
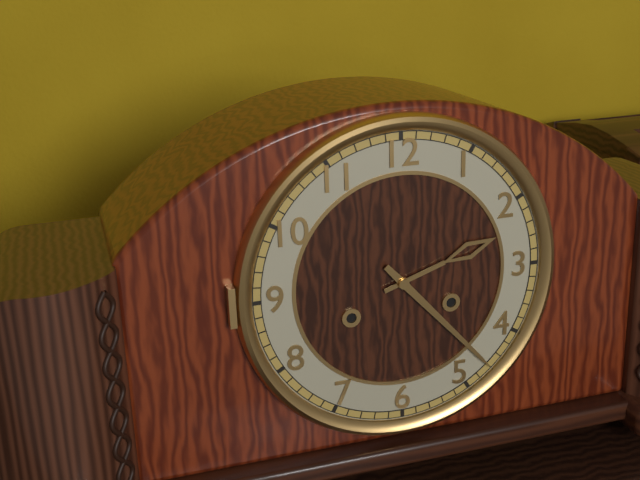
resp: 2,23
